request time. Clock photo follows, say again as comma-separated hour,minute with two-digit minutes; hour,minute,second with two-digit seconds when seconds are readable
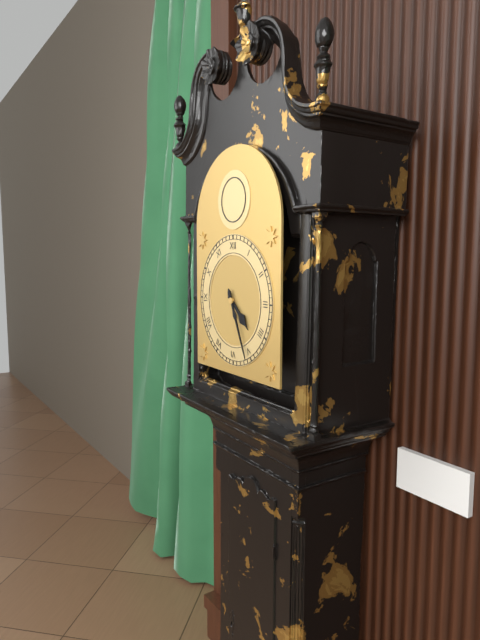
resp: 4,26
